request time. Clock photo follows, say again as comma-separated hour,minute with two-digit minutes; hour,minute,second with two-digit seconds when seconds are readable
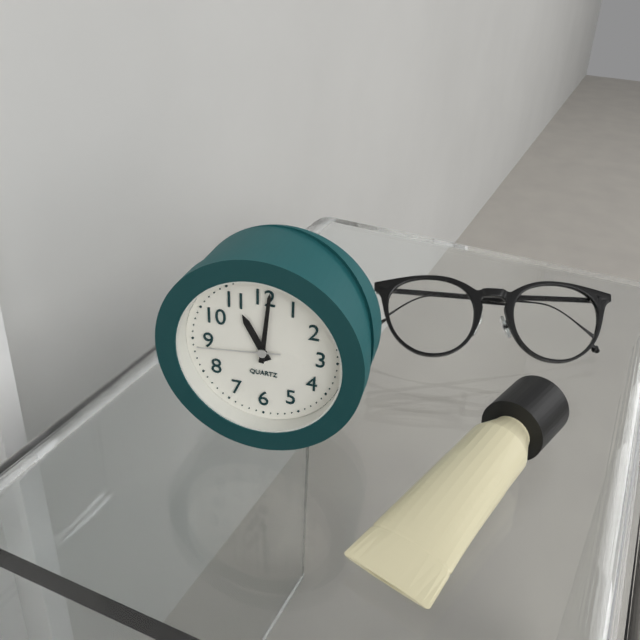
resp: 11,01,44
